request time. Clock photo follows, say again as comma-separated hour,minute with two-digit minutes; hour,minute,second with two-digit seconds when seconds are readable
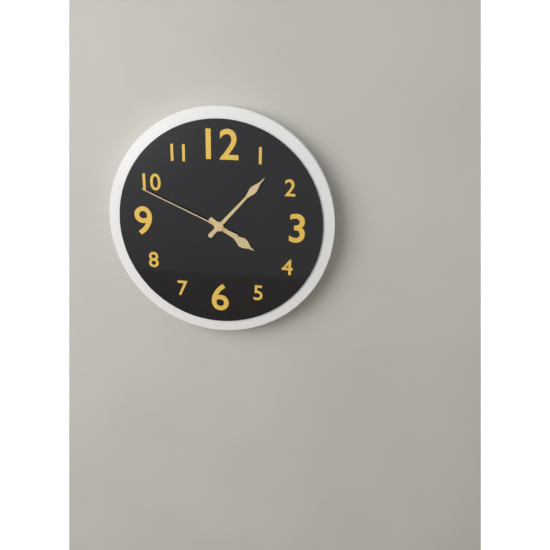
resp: 4,07,49
